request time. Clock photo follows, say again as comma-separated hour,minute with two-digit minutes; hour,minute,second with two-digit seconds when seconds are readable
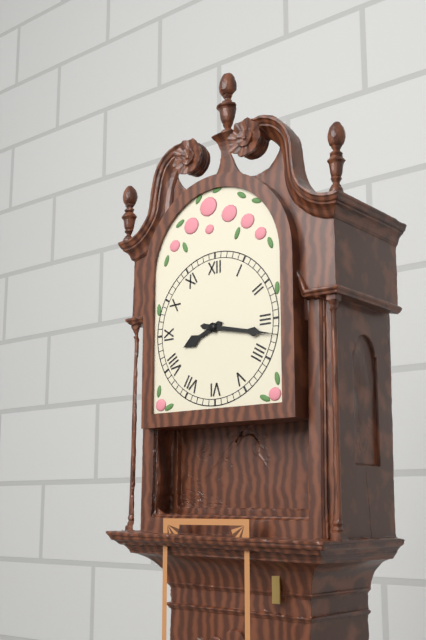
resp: 8,17
